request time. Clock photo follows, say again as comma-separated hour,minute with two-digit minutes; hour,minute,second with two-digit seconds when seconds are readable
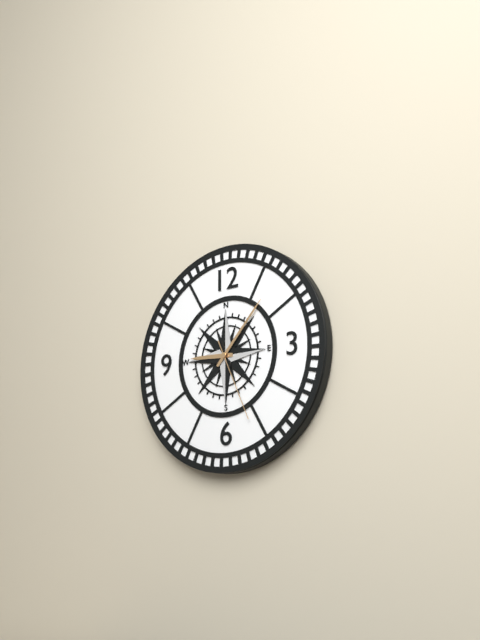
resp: 9,07,26
